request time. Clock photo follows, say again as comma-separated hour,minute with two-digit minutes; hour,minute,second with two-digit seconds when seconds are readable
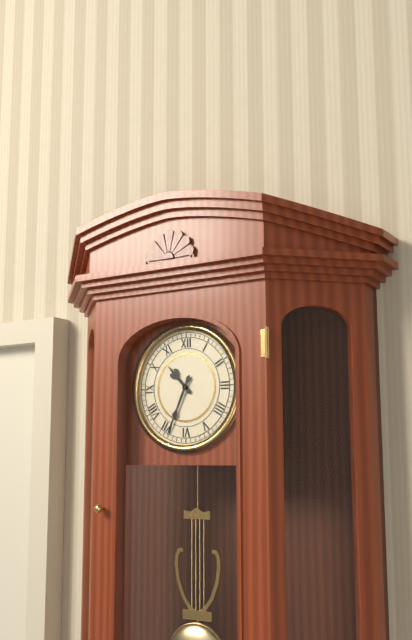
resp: 10,34
